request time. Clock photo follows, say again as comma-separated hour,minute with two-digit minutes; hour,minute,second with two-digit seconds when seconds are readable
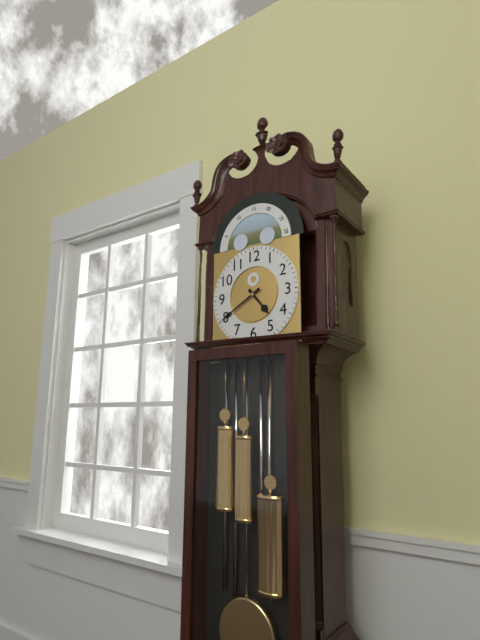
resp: 4,40
